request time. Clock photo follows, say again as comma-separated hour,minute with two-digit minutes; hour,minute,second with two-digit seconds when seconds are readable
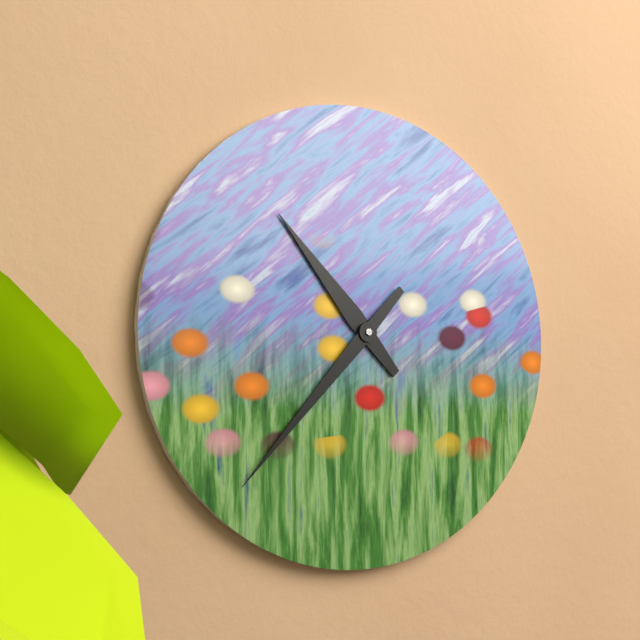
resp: 10,37
